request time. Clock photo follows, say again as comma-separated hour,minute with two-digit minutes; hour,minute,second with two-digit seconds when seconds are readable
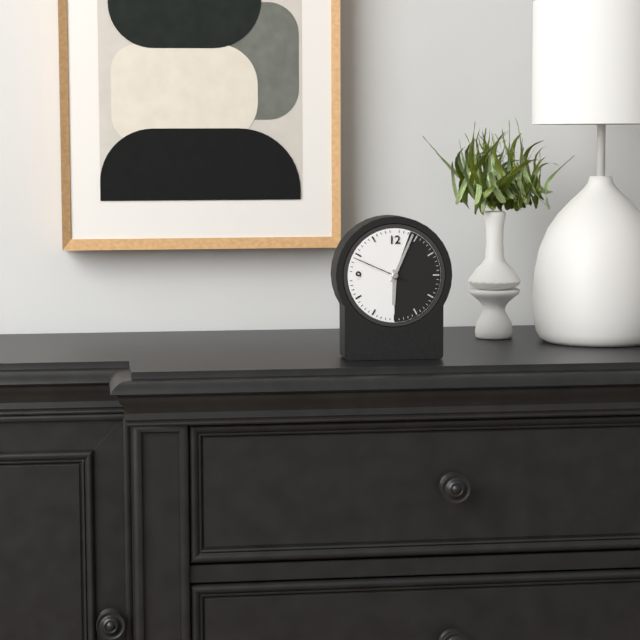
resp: 6,04,49
